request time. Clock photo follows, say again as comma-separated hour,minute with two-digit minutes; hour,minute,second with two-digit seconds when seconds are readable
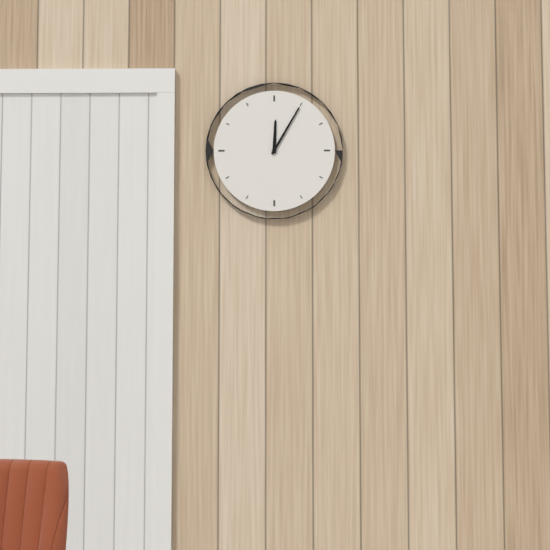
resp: 12,05
